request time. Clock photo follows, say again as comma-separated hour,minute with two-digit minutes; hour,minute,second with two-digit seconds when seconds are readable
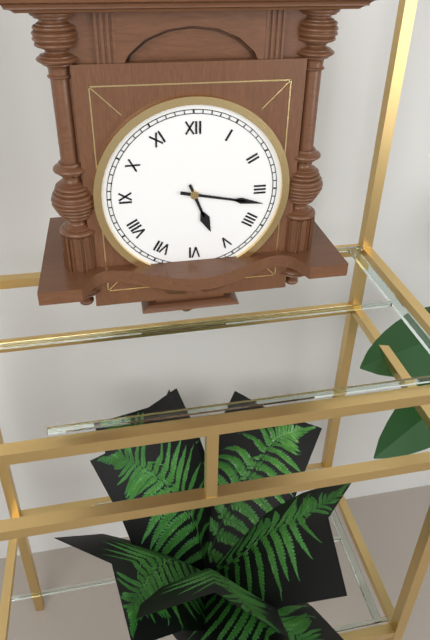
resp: 5,17
